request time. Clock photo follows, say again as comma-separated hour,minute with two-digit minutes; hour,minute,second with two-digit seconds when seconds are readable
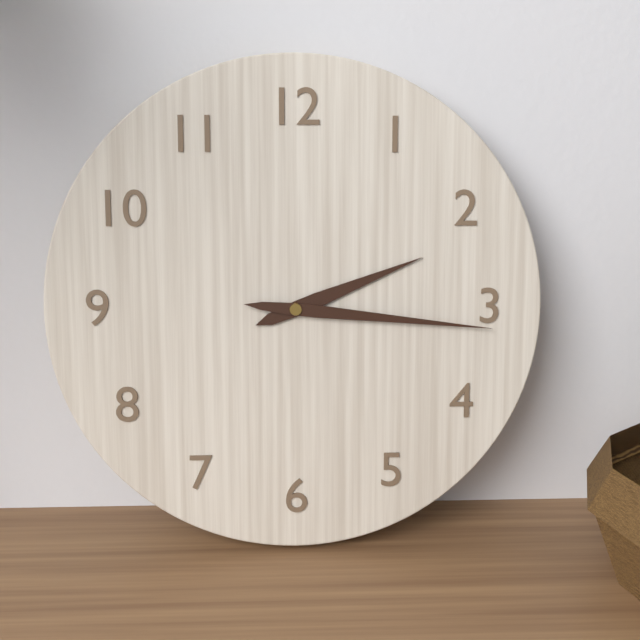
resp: 2,16
